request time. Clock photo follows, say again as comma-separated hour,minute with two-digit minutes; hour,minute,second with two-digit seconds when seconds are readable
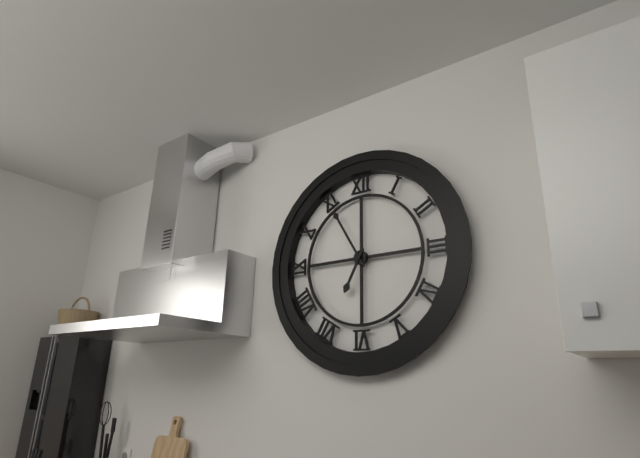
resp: 6,55
